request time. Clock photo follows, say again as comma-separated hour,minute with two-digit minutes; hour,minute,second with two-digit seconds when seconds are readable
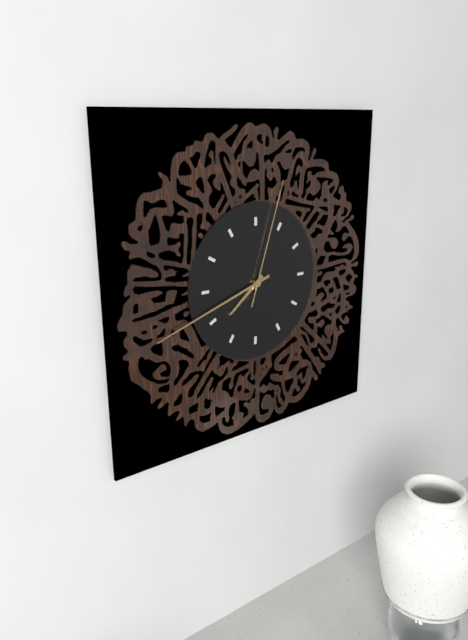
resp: 7,42,03
